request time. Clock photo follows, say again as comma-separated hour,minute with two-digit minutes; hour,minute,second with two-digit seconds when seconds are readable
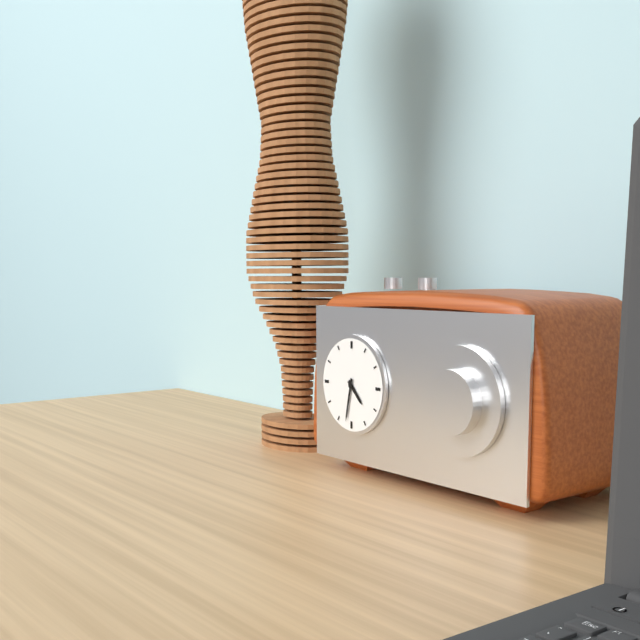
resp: 4,32
